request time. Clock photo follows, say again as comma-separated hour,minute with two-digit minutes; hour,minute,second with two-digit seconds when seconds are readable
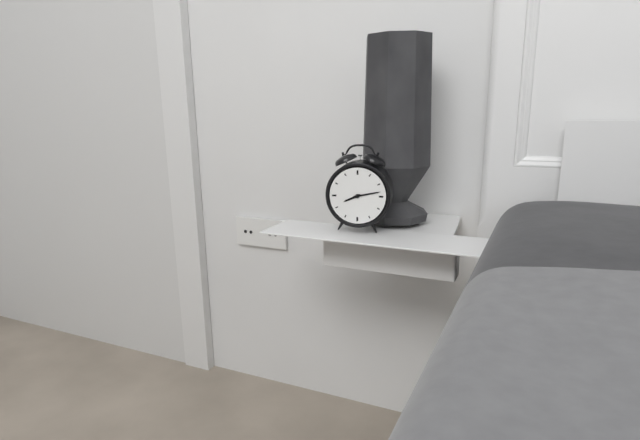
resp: 8,13
